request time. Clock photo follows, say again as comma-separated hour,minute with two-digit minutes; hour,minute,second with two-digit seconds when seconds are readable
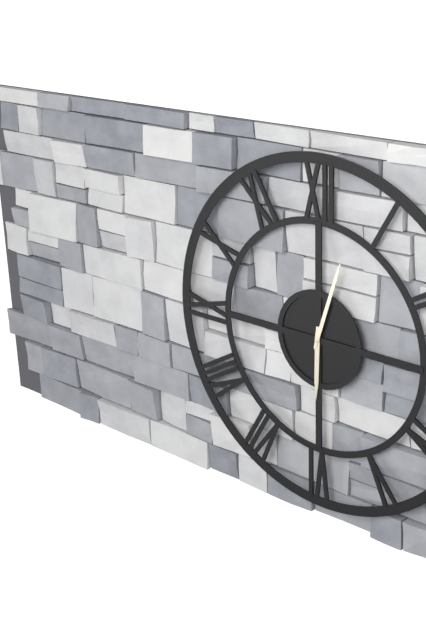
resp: 6,03
